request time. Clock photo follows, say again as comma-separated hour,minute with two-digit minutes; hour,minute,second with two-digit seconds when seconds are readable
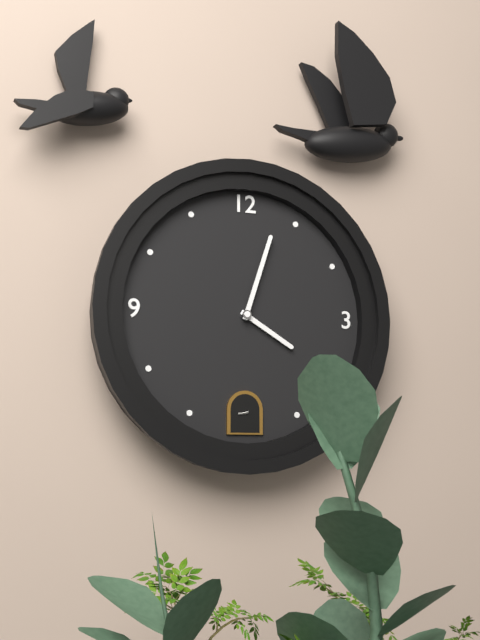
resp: 4,03
